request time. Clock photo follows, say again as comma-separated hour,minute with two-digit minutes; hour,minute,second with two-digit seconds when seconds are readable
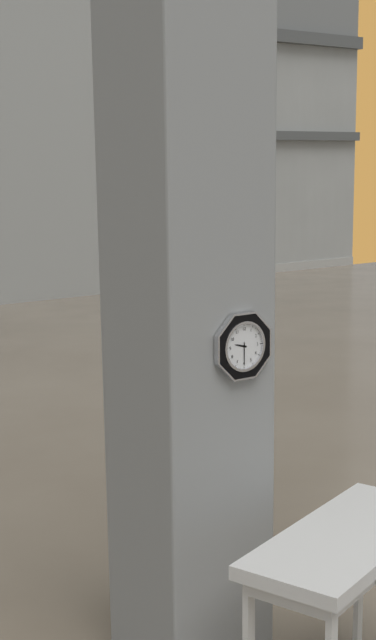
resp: 9,30
